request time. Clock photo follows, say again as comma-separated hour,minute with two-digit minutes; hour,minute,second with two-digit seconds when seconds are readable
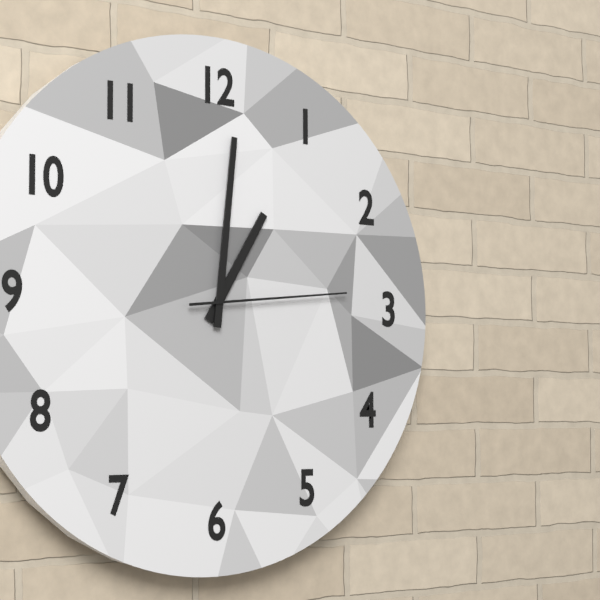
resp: 1,01,14
